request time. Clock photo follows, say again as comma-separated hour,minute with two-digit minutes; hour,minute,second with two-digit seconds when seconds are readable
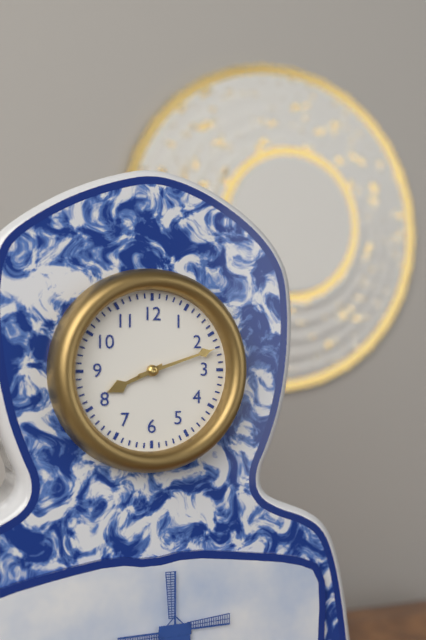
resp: 8,12
